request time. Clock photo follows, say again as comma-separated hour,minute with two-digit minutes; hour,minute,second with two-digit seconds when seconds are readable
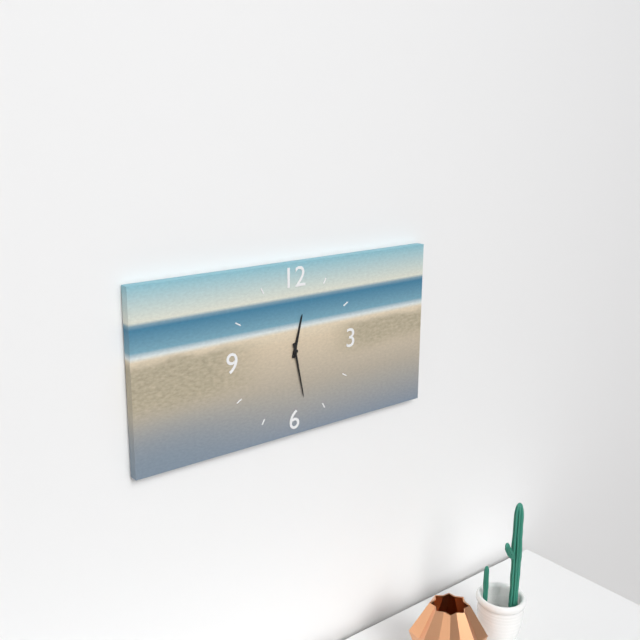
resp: 12,28
